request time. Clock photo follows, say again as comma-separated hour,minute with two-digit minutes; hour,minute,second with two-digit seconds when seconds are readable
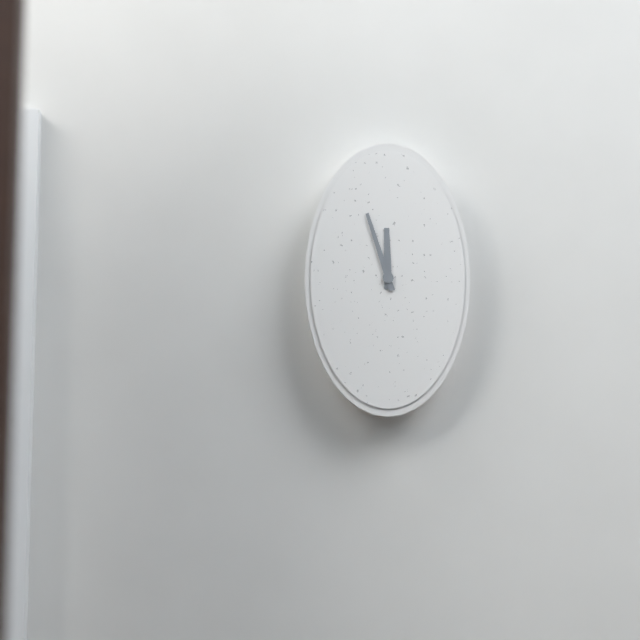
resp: 11,57
